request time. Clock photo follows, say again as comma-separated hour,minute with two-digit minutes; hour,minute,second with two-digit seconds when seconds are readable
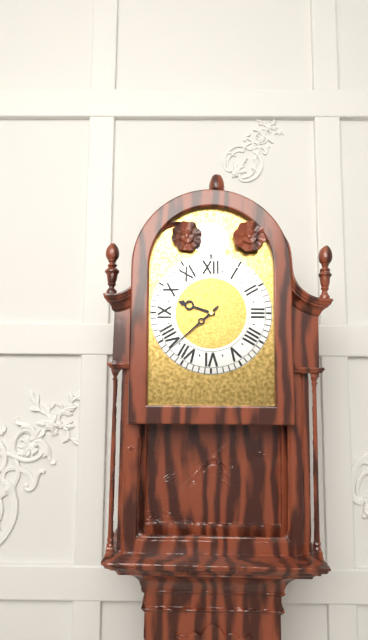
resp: 9,38
